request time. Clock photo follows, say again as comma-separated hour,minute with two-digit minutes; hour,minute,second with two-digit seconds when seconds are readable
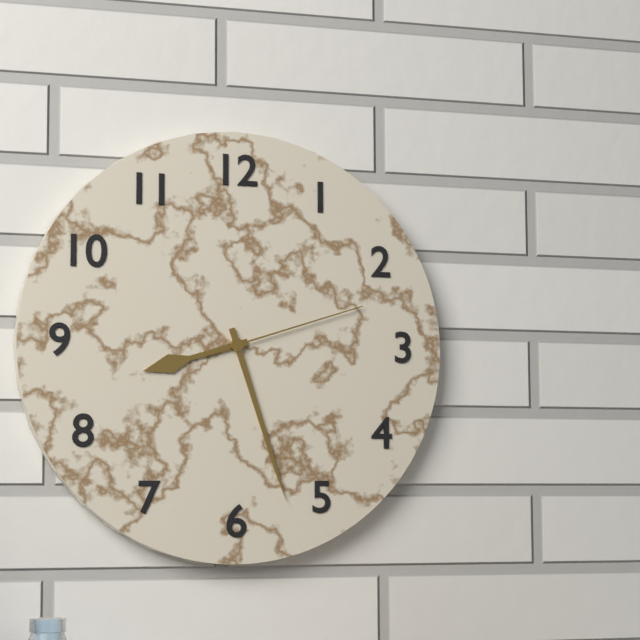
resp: 8,27,12
